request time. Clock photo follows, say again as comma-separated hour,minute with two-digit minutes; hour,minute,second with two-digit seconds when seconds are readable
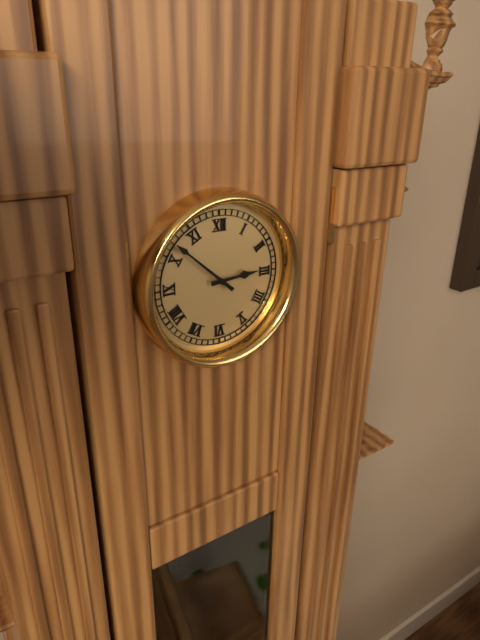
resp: 2,52
